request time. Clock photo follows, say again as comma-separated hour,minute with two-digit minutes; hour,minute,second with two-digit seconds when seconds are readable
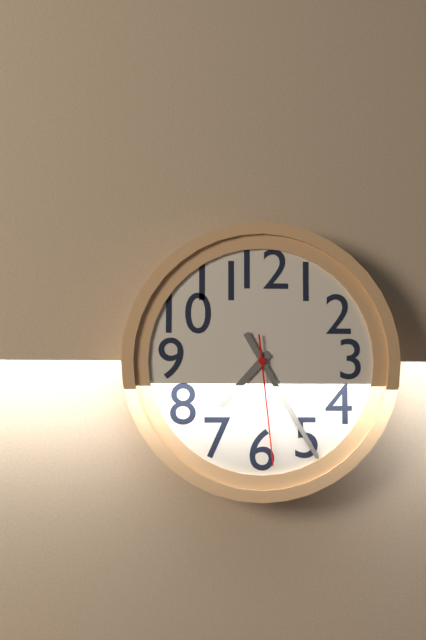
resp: 7,25,29
